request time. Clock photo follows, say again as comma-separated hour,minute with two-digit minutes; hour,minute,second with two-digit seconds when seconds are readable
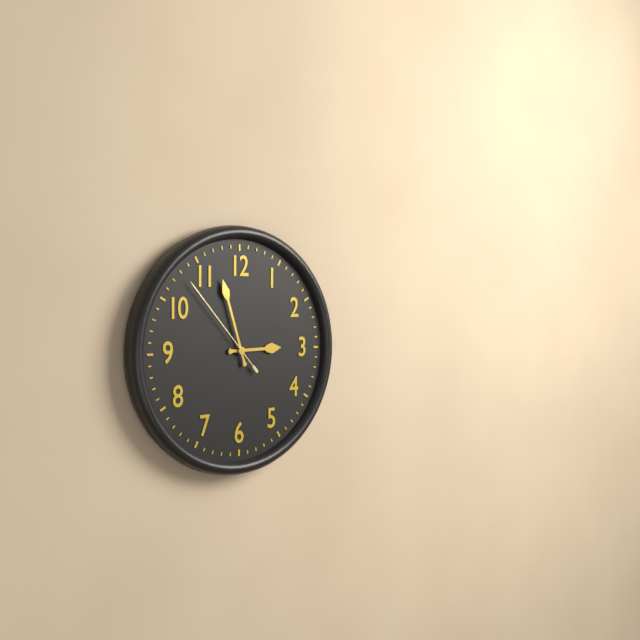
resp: 2,57,53
